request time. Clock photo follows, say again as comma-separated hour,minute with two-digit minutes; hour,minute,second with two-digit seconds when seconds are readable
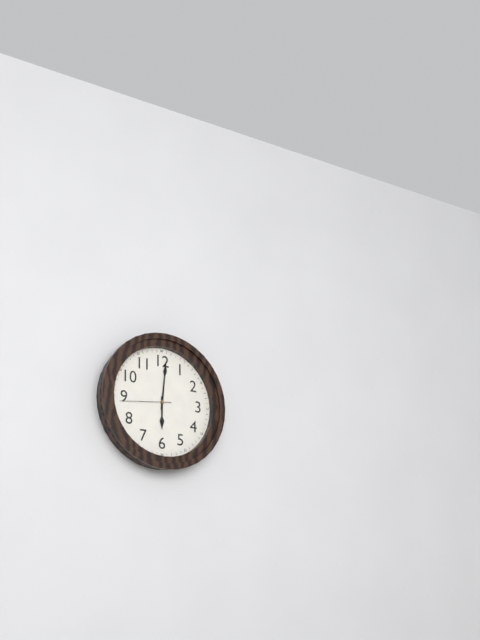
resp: 6,01,44
